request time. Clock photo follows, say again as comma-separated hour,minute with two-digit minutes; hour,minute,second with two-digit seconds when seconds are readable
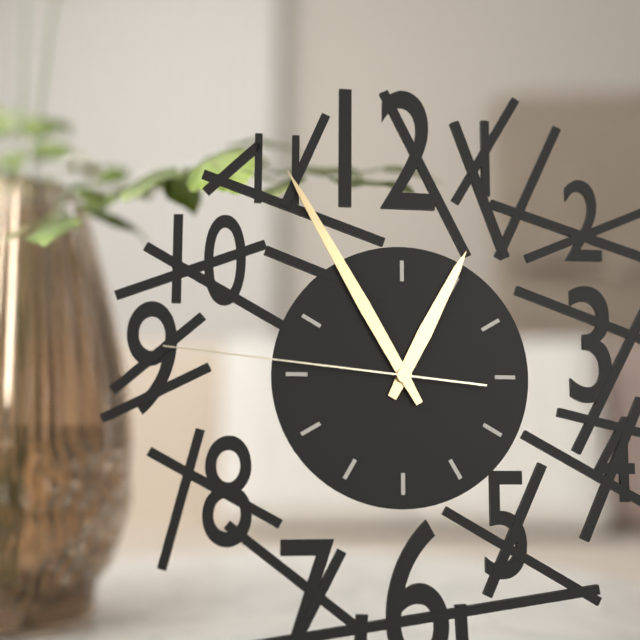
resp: 12,55,46
